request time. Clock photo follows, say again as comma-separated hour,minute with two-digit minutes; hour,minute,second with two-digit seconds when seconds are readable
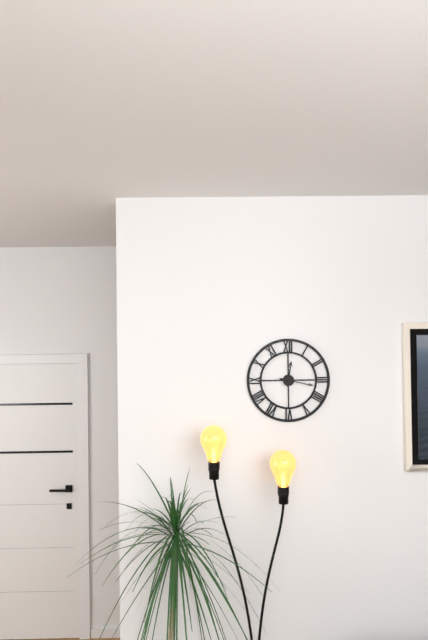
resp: 12,17
